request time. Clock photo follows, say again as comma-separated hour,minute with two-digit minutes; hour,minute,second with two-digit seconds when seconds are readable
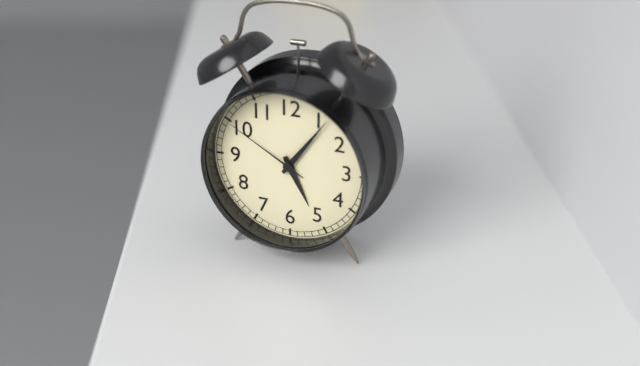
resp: 5,06,50
